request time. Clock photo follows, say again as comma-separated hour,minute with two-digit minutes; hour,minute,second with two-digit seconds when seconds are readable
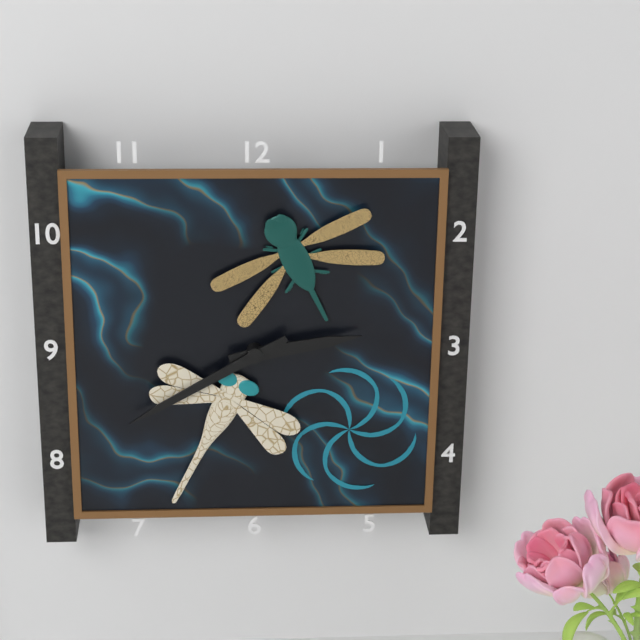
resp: 2,40
